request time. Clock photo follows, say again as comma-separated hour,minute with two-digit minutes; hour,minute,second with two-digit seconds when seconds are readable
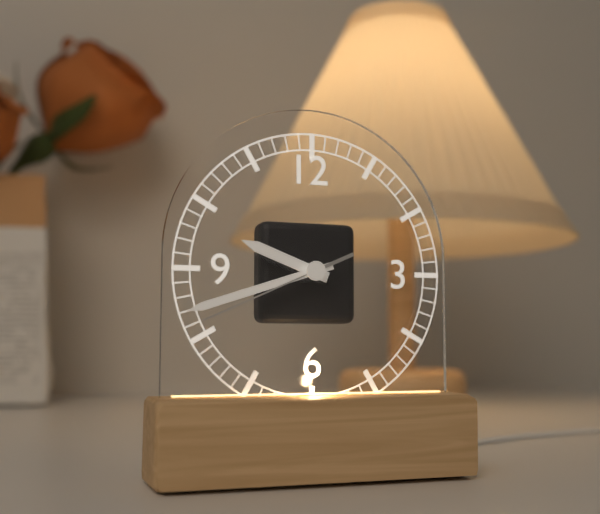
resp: 9,42,41
